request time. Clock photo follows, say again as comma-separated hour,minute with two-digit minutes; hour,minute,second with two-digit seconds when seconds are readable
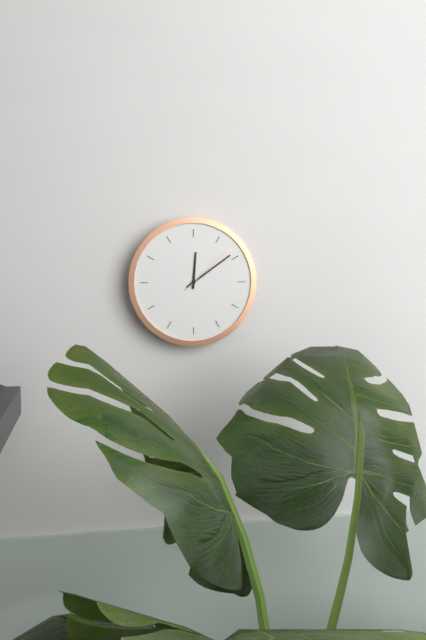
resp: 12,09,08
